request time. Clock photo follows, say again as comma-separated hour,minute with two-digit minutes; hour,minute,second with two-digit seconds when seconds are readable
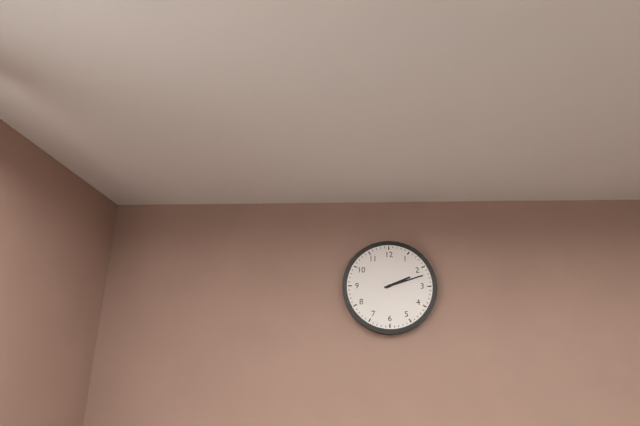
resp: 2,12
